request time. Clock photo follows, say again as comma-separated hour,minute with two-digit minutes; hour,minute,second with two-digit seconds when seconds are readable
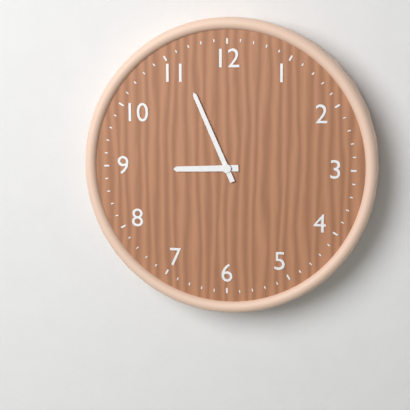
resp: 8,56
